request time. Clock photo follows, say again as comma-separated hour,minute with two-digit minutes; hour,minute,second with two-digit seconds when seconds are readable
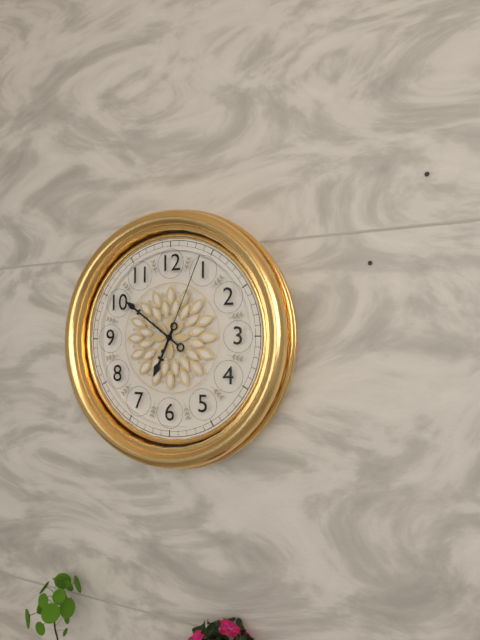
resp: 6,51,04
